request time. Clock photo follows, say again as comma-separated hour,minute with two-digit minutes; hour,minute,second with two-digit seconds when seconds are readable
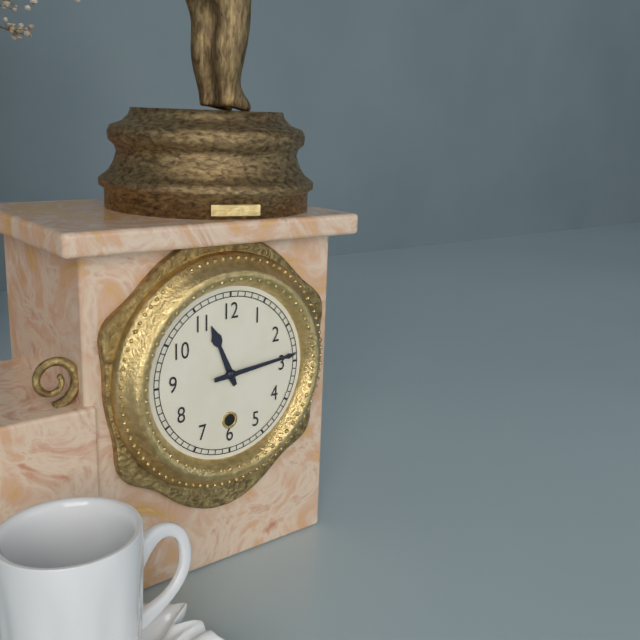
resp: 11,14
